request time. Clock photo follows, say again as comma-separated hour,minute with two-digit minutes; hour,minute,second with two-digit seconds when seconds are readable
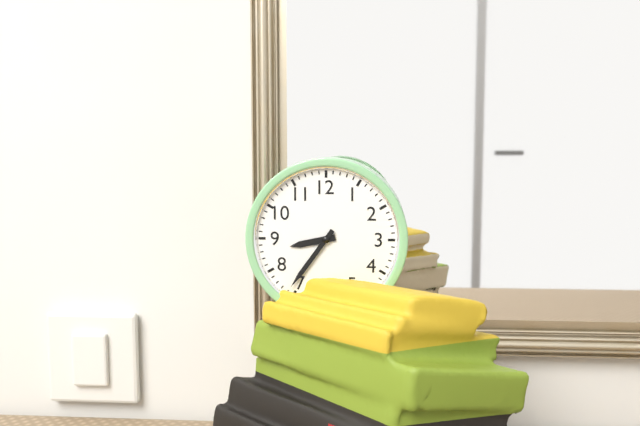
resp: 8,36
